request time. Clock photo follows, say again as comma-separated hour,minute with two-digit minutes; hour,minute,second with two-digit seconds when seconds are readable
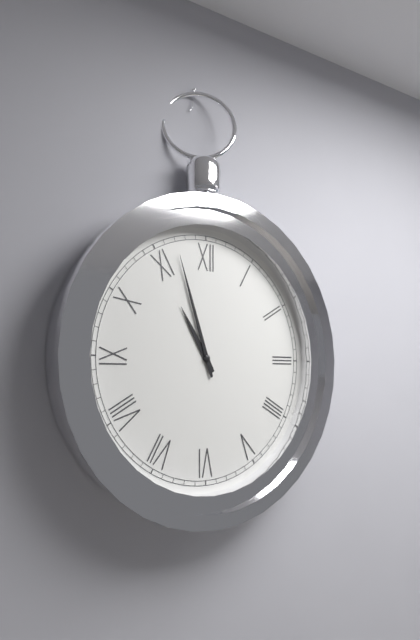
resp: 10,57
